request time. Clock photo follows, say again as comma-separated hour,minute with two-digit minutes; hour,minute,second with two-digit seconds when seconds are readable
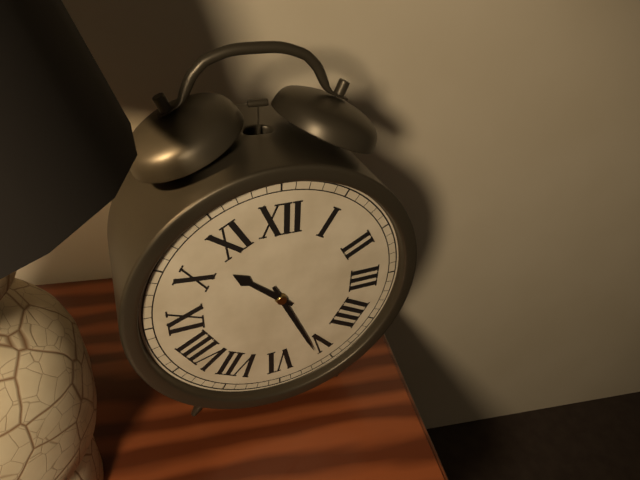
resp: 10,26
